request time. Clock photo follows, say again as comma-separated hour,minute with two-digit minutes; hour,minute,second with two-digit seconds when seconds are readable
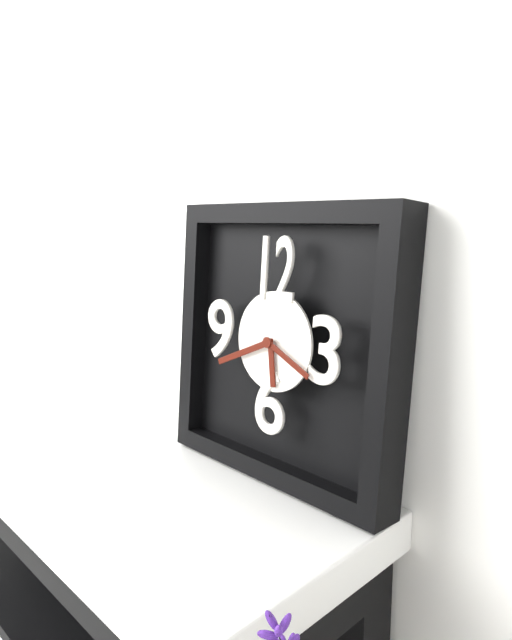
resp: 5,41,19
